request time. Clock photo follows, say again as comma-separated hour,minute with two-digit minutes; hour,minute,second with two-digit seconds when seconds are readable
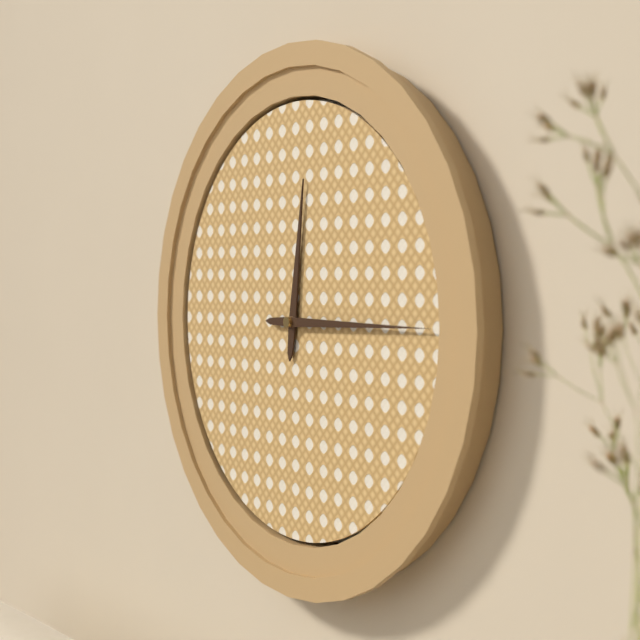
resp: 12,15
